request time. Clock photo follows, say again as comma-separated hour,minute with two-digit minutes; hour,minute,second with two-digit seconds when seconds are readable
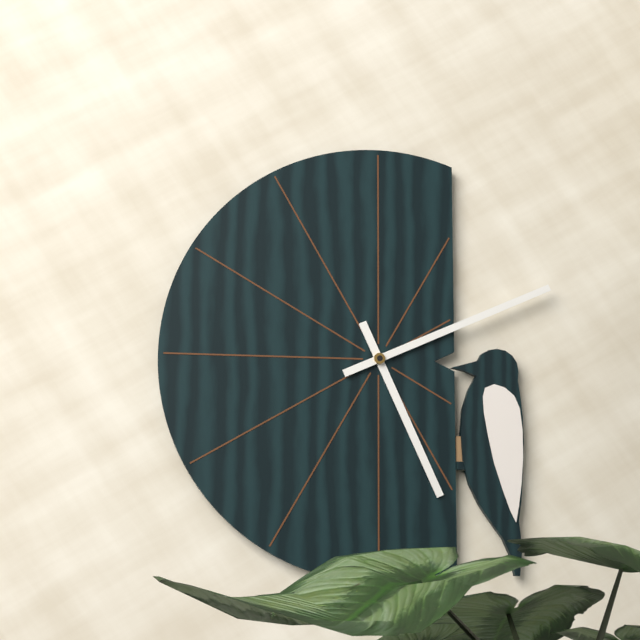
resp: 5,11
